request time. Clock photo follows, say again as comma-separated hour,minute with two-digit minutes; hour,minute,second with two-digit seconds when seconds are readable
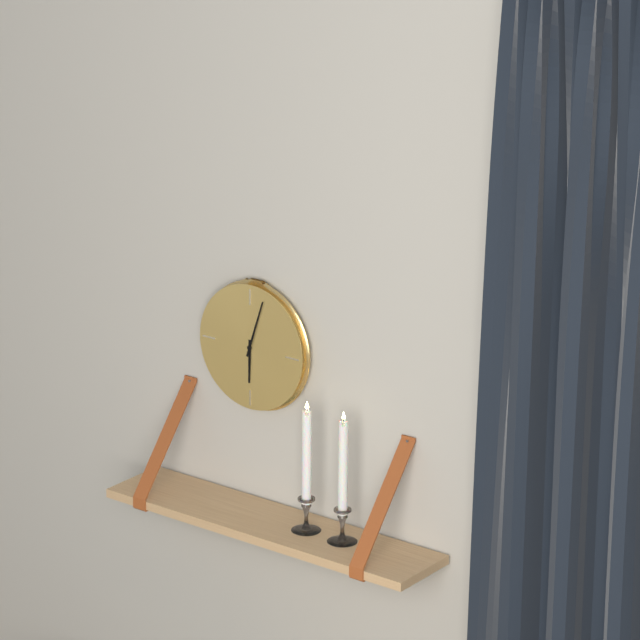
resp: 6,03
